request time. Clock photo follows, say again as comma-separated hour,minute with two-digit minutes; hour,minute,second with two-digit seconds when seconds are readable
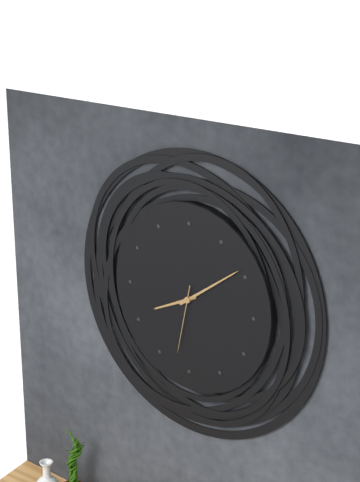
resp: 8,09,32
